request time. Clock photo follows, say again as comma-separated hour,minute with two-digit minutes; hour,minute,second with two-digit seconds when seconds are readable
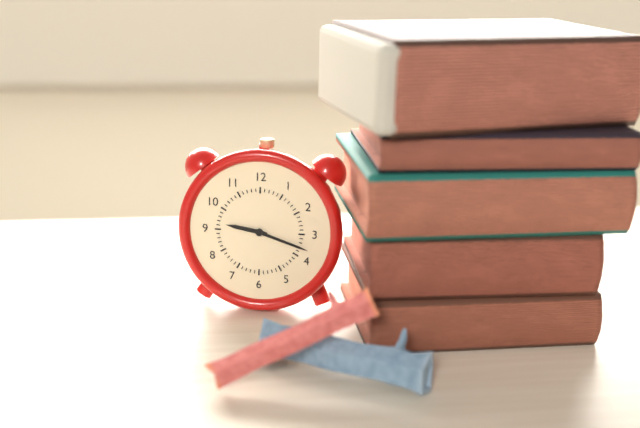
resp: 9,18
